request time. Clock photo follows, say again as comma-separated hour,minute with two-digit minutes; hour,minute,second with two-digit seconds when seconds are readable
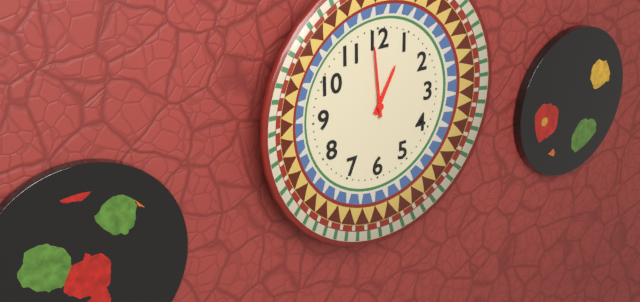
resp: 12,59
